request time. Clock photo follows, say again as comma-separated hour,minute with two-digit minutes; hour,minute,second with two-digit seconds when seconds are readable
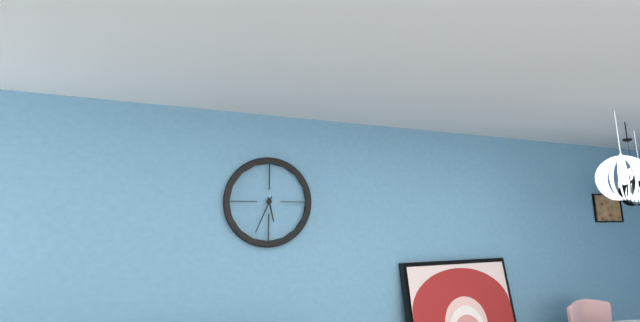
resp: 5,34
